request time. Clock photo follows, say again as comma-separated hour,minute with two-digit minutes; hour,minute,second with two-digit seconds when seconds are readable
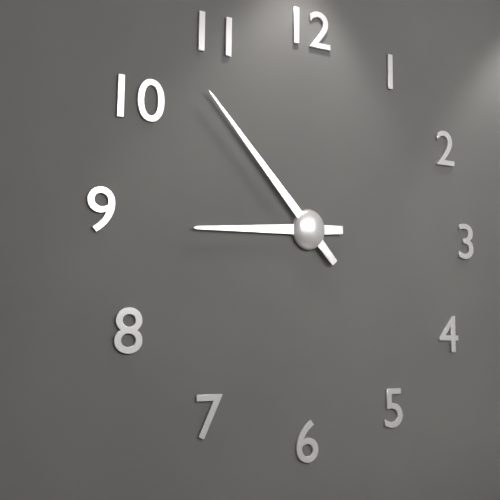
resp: 8,53
